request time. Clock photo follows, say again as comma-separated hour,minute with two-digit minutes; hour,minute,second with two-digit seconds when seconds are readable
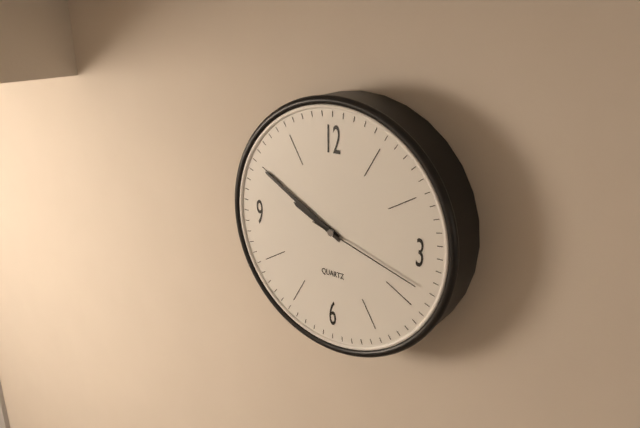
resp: 9,50,18
